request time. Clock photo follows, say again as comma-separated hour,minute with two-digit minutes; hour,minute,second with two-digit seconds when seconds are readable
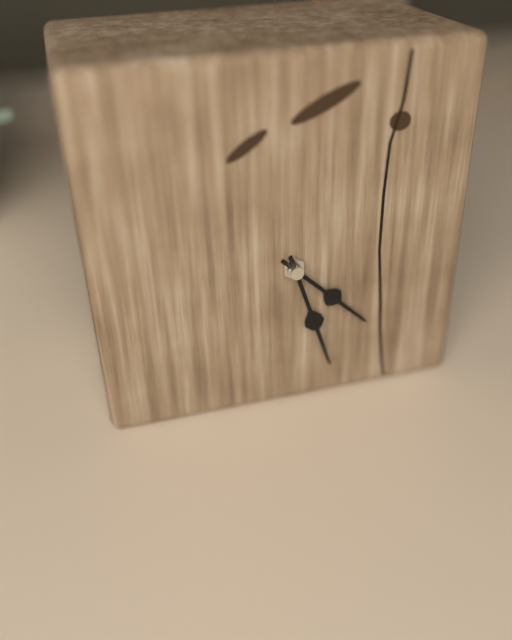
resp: 4,27
